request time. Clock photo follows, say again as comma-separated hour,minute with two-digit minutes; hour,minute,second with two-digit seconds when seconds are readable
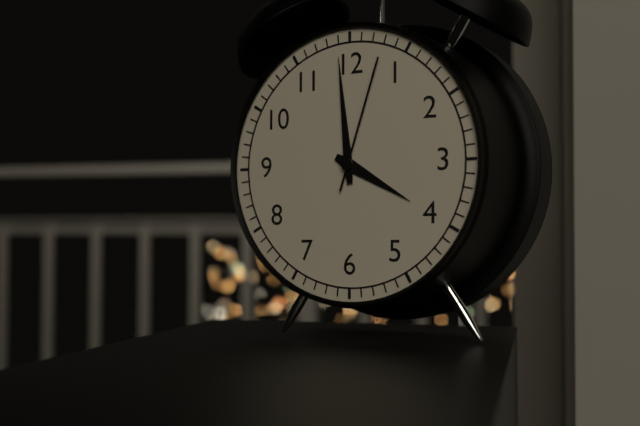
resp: 3,59,03
